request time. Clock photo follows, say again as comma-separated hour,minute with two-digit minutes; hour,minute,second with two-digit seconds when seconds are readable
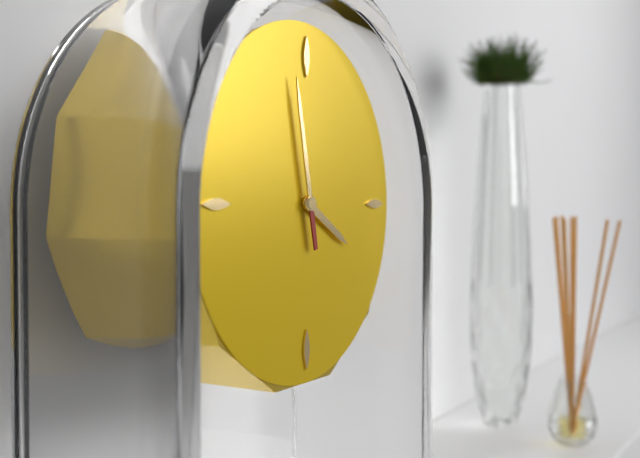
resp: 3,58
